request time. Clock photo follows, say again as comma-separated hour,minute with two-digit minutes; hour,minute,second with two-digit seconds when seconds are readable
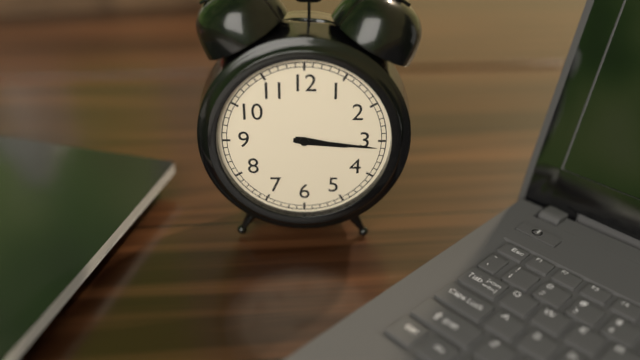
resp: 3,16
